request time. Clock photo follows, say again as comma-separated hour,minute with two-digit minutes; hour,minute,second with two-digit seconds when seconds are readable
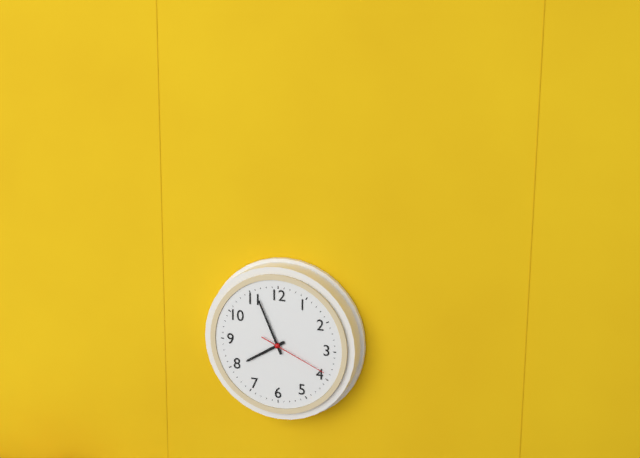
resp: 7,56,19
